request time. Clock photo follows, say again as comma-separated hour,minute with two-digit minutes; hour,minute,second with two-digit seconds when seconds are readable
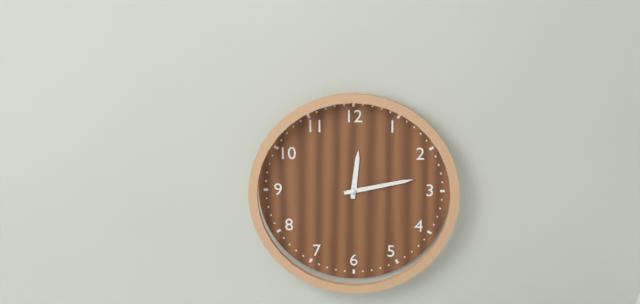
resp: 12,13
